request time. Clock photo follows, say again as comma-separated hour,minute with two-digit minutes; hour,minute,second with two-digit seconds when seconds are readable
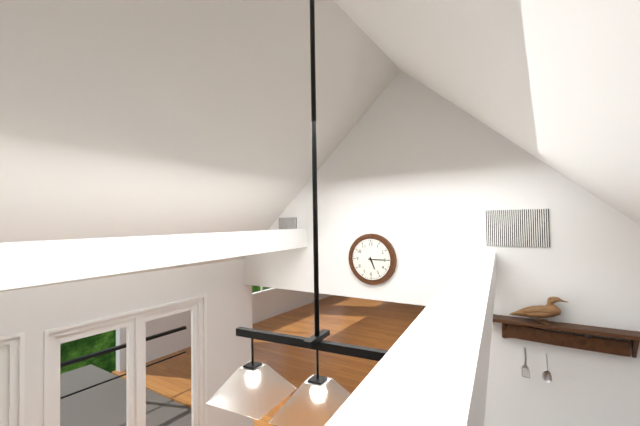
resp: 5,15
